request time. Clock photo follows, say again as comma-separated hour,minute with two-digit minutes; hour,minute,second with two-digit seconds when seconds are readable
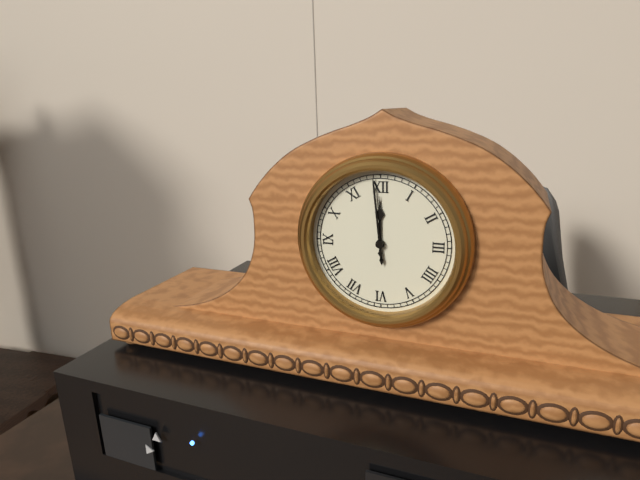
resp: 11,59
